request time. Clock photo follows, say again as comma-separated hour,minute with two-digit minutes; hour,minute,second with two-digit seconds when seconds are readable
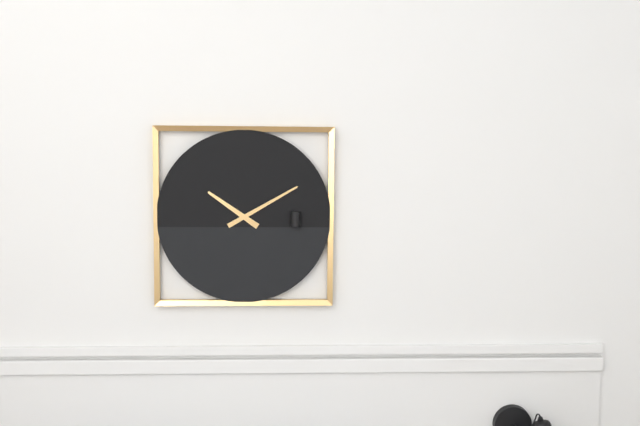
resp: 10,10
